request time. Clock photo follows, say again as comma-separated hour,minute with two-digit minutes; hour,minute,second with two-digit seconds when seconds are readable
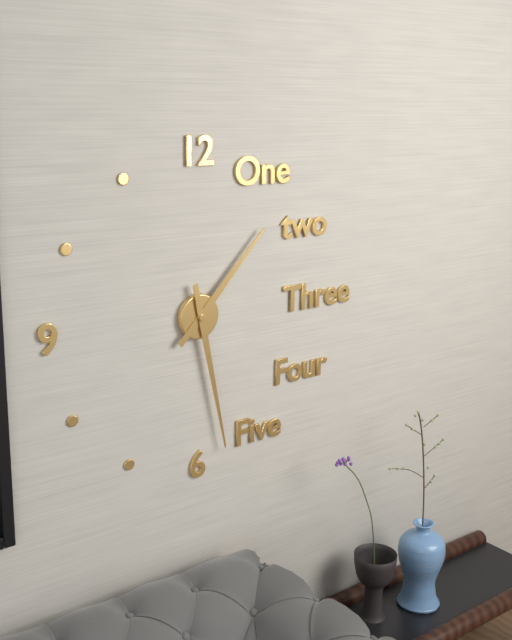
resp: 1,28
